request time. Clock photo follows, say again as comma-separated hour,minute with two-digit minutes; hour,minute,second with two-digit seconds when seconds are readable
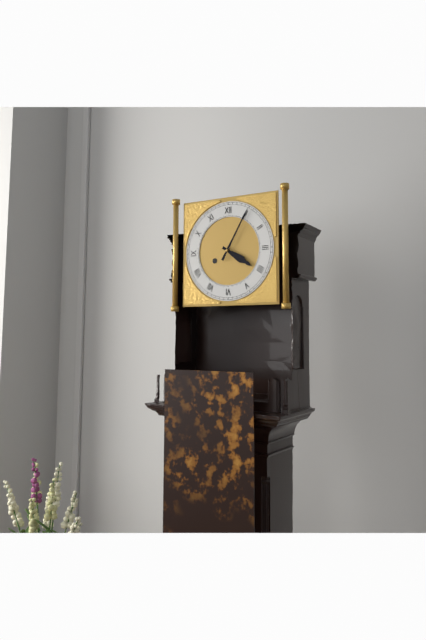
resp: 4,05
